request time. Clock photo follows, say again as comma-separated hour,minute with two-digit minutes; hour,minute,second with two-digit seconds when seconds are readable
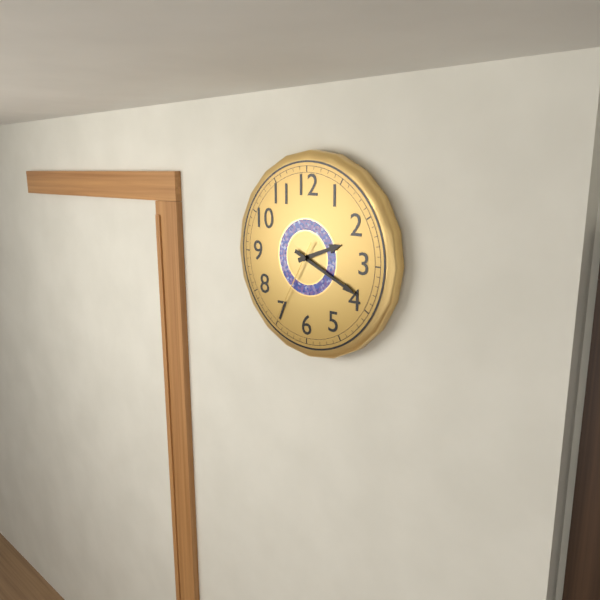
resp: 2,19,35
